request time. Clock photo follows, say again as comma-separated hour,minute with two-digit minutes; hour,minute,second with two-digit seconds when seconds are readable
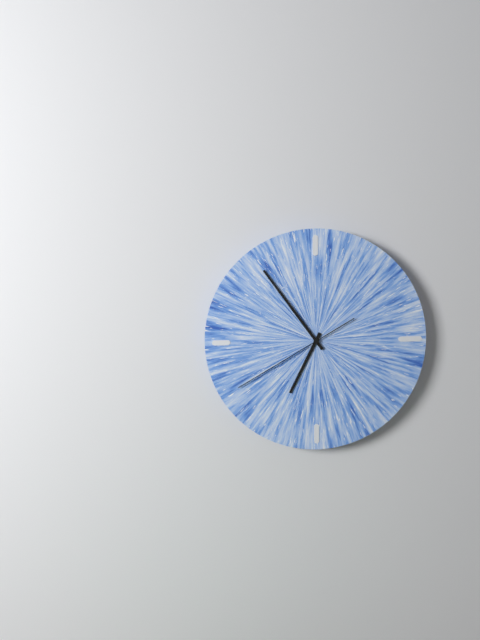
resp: 6,54,40
